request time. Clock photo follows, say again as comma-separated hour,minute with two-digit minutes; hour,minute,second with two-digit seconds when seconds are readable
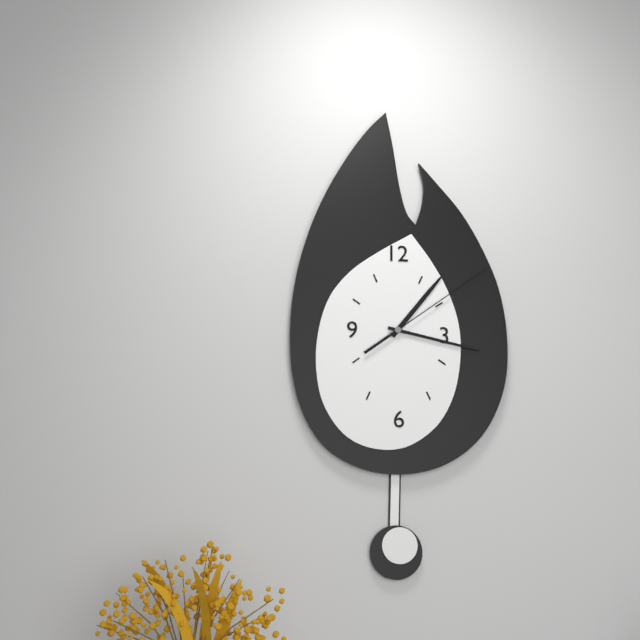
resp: 1,17,09
